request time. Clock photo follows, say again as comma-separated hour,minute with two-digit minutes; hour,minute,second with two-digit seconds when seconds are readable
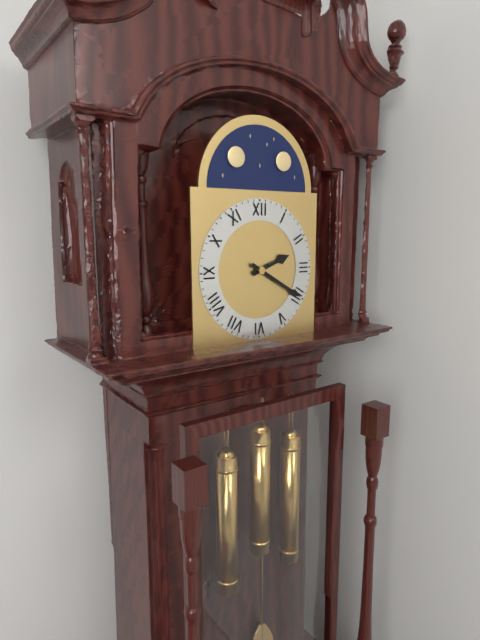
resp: 2,20
